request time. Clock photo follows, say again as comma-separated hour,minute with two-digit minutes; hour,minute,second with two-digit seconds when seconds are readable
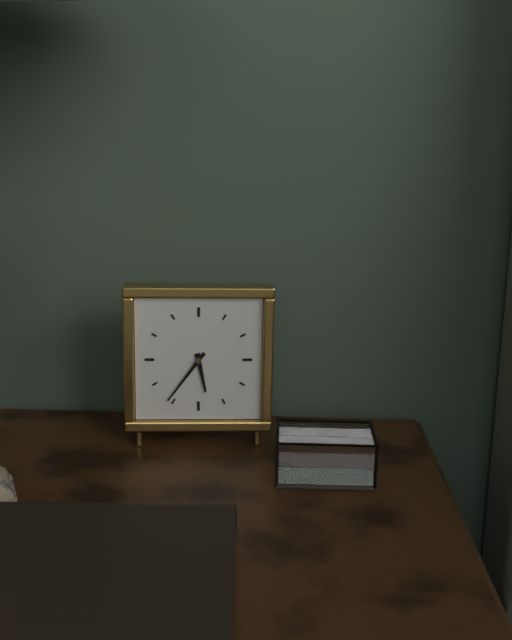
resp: 5,36
